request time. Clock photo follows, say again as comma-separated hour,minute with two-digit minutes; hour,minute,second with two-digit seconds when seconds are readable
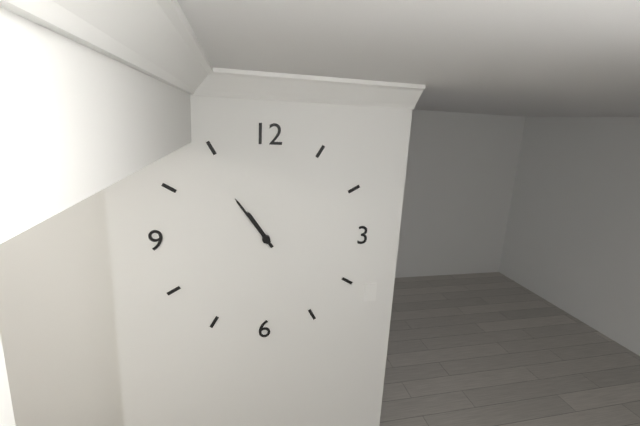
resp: 10,54
